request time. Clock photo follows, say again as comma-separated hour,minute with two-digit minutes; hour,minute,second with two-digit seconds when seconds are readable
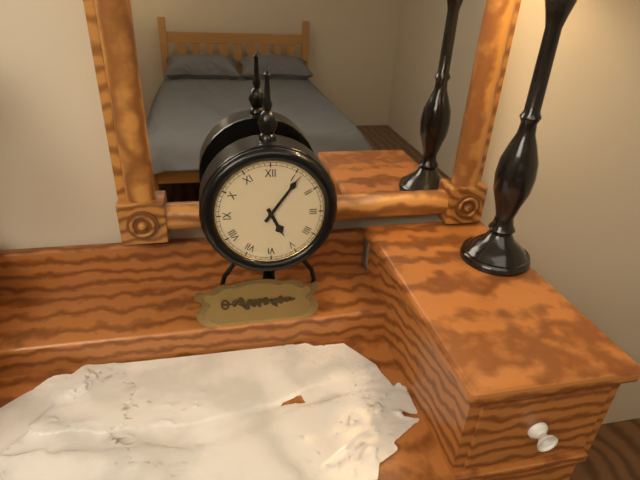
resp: 5,06
